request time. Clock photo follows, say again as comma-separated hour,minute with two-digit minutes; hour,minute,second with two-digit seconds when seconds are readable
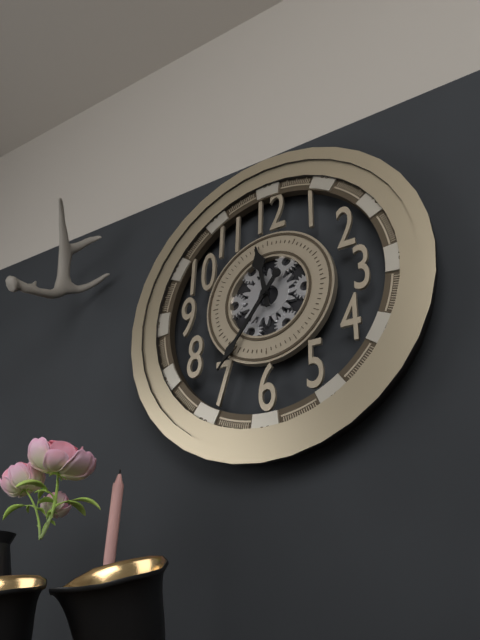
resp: 11,36
